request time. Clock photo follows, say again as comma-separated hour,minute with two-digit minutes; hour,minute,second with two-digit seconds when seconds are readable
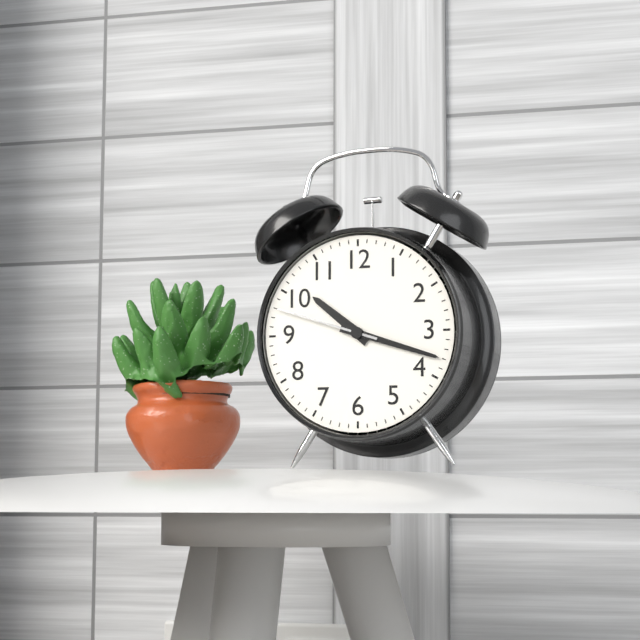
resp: 10,18,48
